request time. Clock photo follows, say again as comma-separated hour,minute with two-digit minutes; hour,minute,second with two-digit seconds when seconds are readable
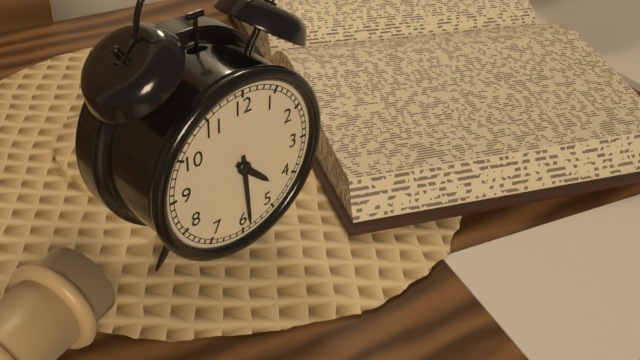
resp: 4,29
